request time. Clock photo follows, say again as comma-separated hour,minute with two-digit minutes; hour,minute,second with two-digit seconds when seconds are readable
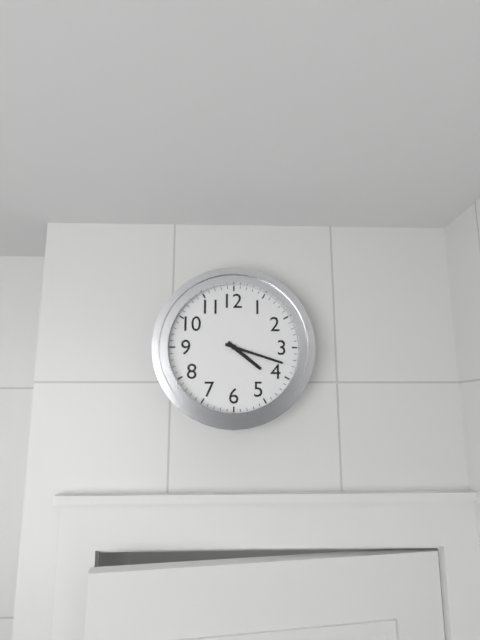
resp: 4,18
